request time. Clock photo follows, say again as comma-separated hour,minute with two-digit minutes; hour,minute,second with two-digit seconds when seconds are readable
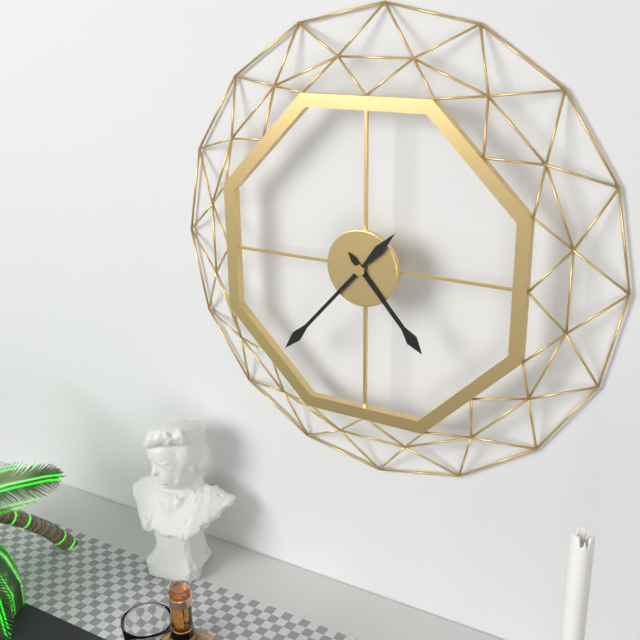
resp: 4,37
